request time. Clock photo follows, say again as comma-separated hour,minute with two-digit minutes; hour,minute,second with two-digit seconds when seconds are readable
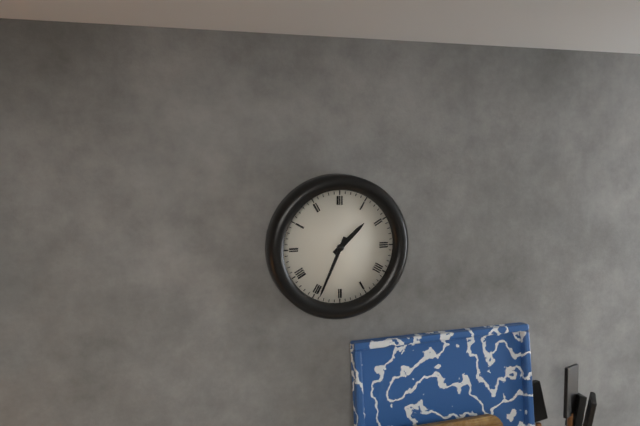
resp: 1,34
